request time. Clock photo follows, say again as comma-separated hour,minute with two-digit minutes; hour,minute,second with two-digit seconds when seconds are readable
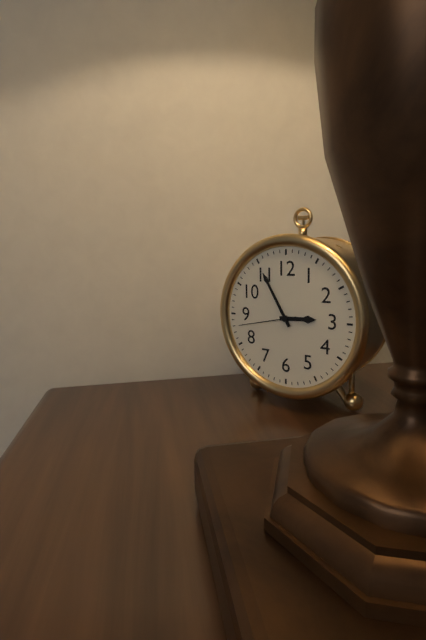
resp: 2,55,43
